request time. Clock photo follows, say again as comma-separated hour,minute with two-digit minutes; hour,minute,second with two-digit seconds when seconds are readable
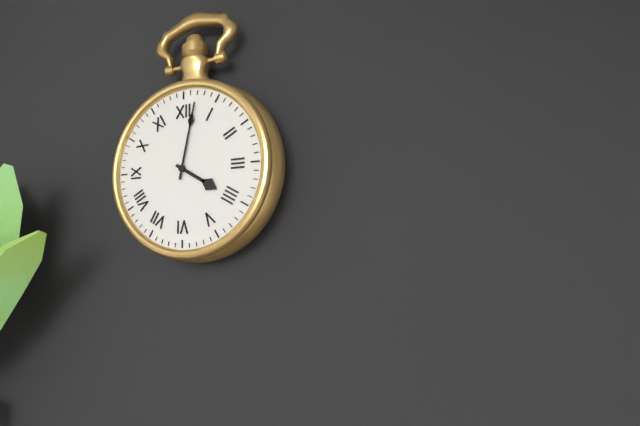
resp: 4,02
